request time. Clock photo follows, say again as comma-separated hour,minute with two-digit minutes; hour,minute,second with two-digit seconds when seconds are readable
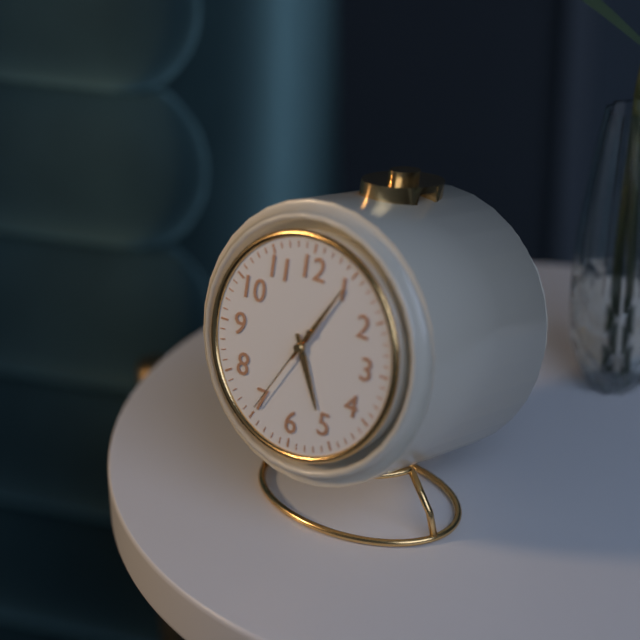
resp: 5,05,35
